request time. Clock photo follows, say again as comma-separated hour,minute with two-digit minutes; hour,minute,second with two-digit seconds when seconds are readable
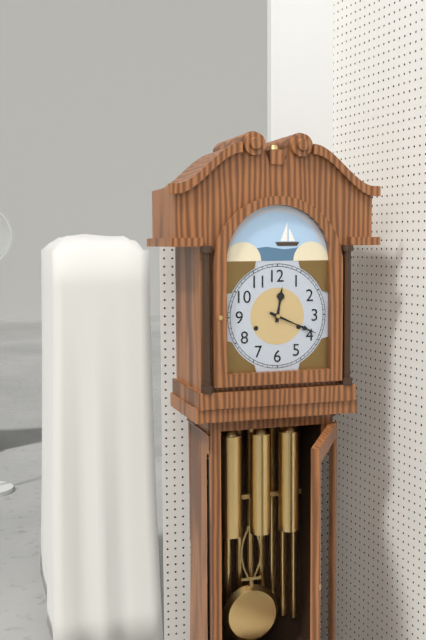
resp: 12,19
